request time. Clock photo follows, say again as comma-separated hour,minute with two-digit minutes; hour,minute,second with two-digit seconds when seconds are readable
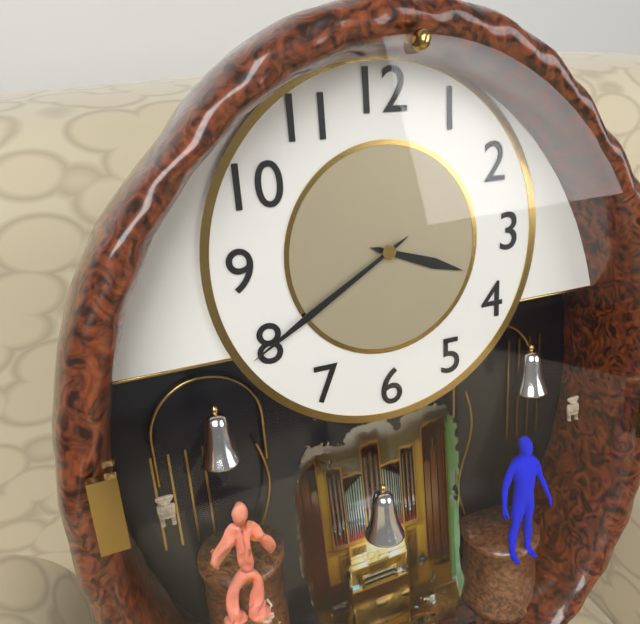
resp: 3,40
